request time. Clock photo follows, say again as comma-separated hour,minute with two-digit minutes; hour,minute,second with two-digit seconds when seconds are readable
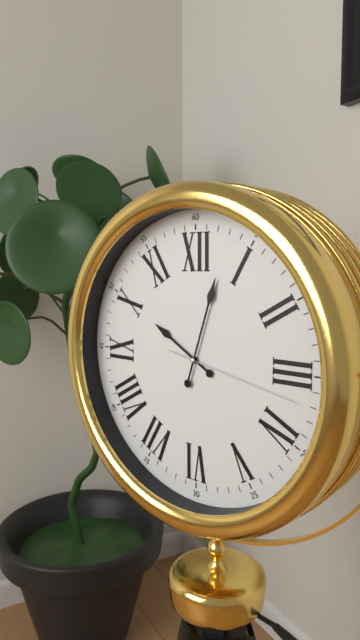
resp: 10,03,17
